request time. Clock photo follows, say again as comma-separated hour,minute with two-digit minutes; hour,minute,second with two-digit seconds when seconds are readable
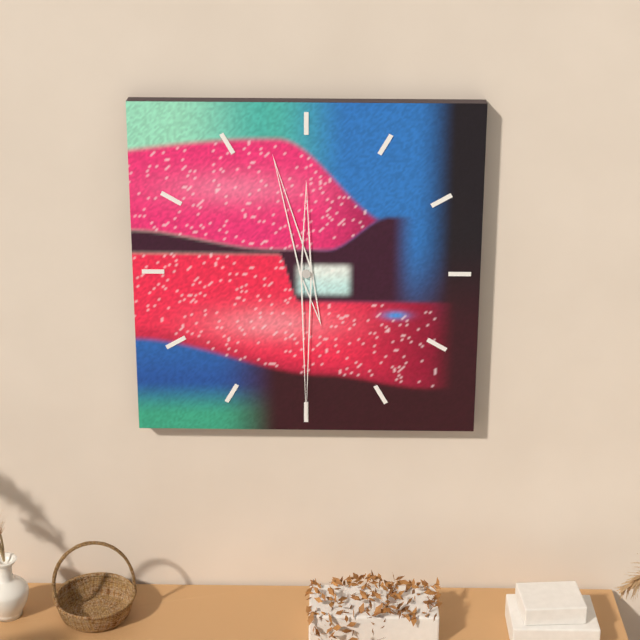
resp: 11,30
